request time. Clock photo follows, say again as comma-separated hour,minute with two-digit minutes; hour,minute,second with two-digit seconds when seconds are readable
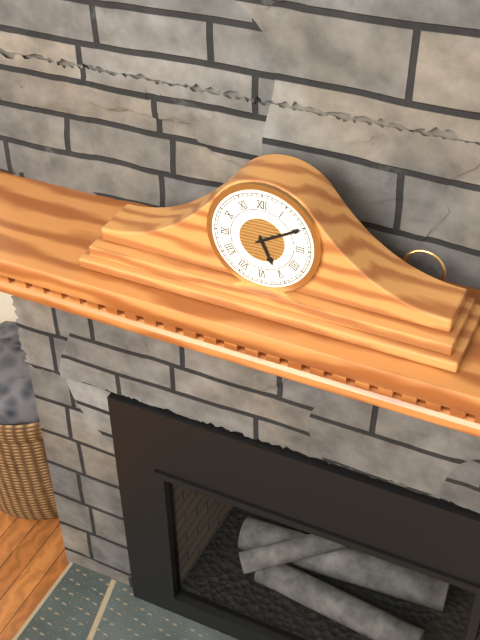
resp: 5,10
